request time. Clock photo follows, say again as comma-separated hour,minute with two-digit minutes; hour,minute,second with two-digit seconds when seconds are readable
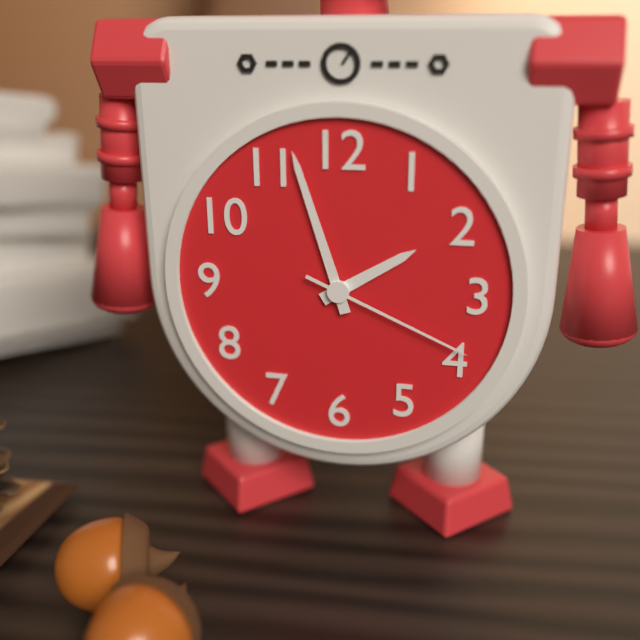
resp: 1,57,19
